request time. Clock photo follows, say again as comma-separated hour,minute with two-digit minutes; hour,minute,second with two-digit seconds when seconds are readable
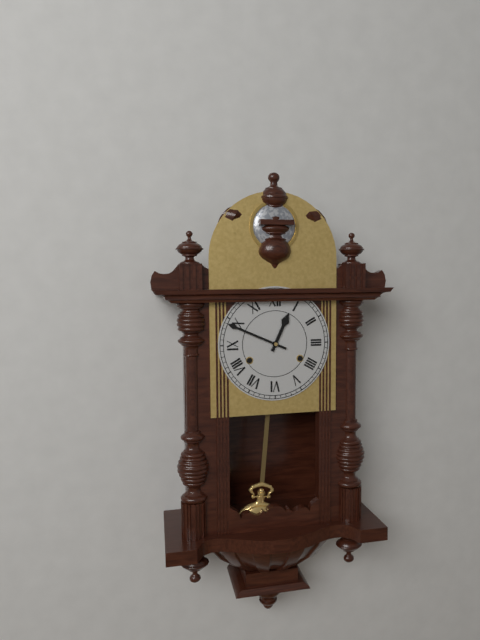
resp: 12,49
